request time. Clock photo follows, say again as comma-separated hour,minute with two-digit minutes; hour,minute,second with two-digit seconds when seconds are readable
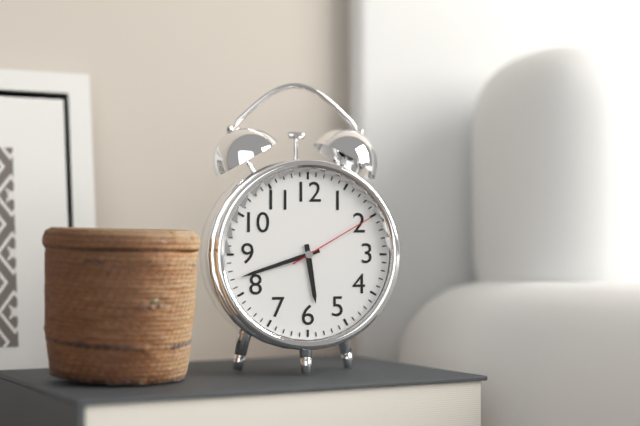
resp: 5,42,10
